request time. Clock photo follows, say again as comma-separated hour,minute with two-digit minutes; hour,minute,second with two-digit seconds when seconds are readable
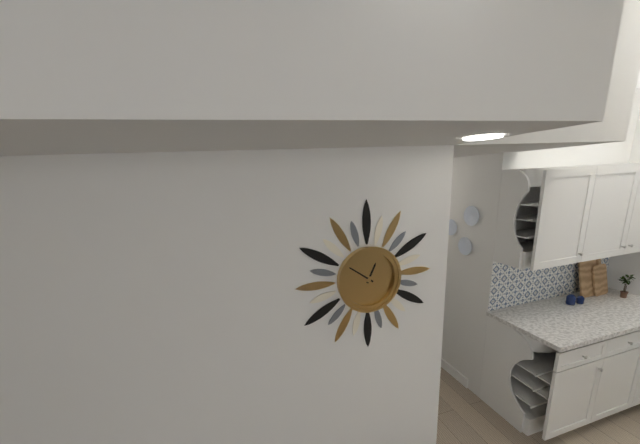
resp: 12,51
